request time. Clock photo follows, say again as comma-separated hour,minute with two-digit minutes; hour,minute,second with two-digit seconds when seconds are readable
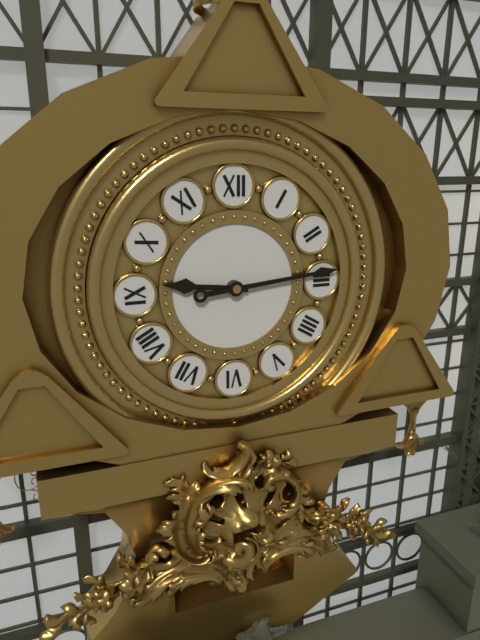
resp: 9,14
